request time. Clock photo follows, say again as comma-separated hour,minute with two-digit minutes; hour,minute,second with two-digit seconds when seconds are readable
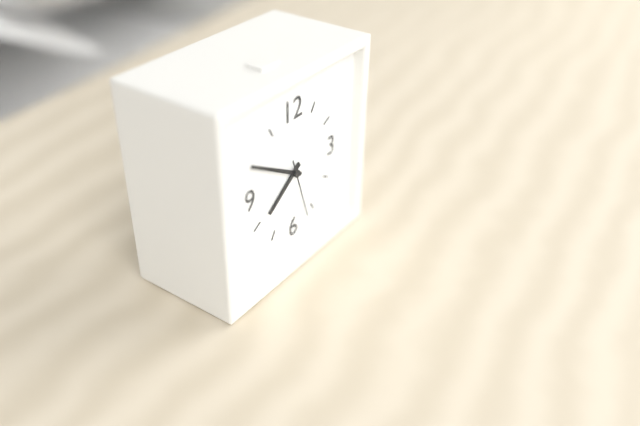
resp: 7,50,27
